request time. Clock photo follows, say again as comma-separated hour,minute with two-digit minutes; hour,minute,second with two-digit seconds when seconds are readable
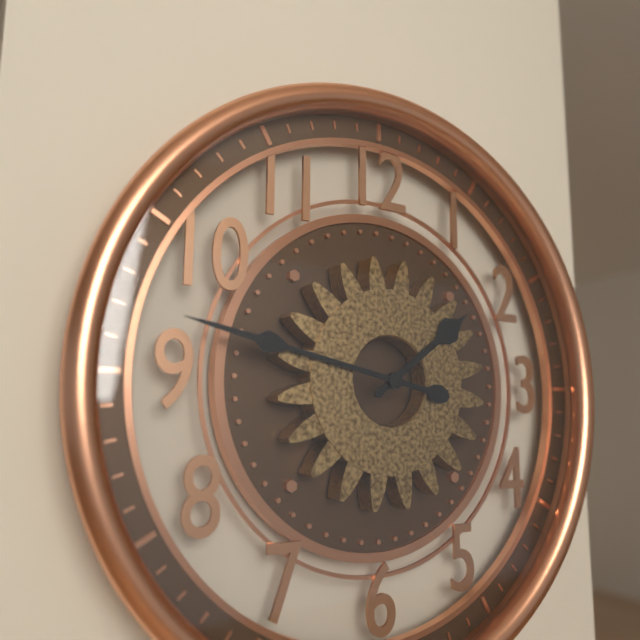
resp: 1,47
